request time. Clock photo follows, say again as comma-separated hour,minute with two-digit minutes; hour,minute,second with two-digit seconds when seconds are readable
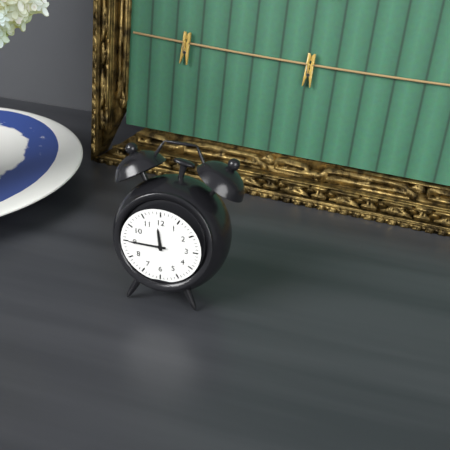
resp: 11,45
